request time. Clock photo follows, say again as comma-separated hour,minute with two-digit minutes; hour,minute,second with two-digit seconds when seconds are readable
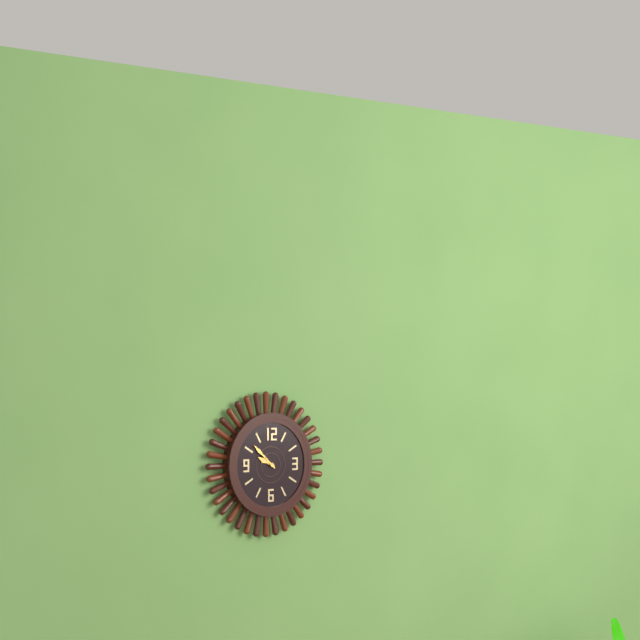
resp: 9,52
